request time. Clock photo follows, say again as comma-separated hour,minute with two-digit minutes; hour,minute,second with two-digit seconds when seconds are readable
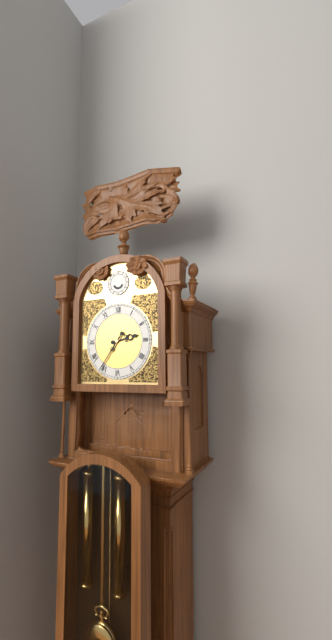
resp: 2,36
